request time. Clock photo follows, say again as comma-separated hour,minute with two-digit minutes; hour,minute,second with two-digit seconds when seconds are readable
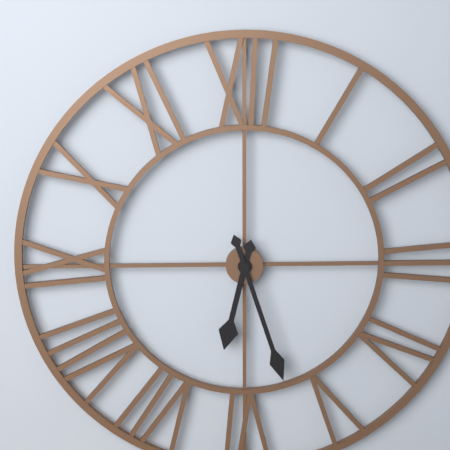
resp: 6,27
